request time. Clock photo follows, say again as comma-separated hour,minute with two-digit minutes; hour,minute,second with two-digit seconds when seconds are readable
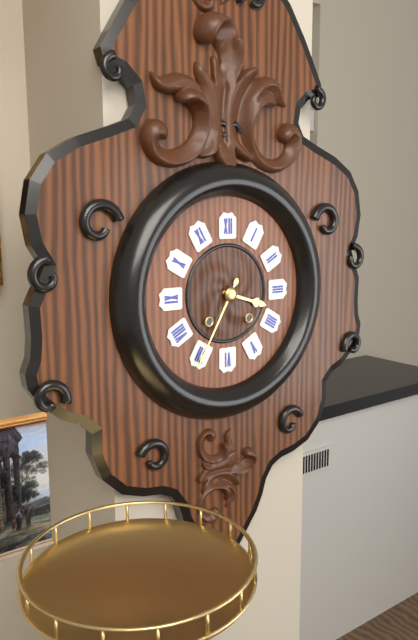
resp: 3,35
